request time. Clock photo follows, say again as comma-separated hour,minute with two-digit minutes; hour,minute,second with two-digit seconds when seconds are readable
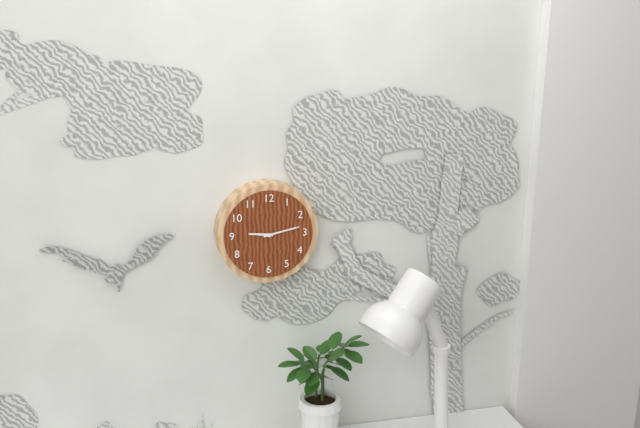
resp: 9,13
